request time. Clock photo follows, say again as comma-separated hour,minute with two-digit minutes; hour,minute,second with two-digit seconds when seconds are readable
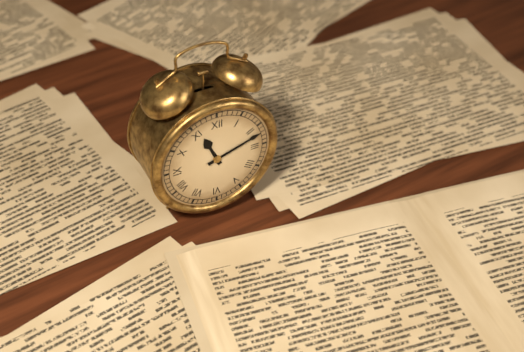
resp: 11,12
